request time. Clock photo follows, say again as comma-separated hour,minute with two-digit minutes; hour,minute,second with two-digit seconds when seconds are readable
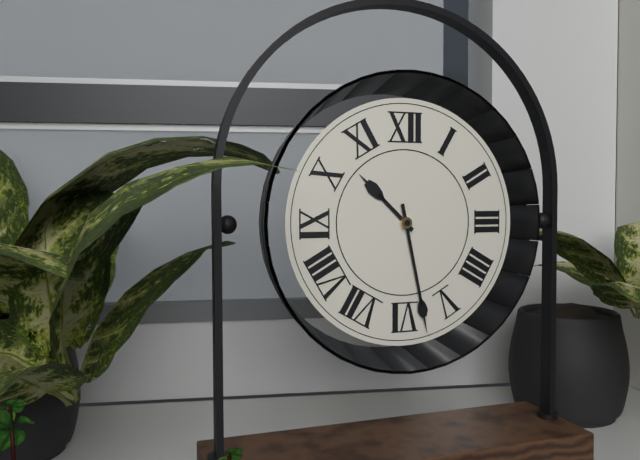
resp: 10,28
